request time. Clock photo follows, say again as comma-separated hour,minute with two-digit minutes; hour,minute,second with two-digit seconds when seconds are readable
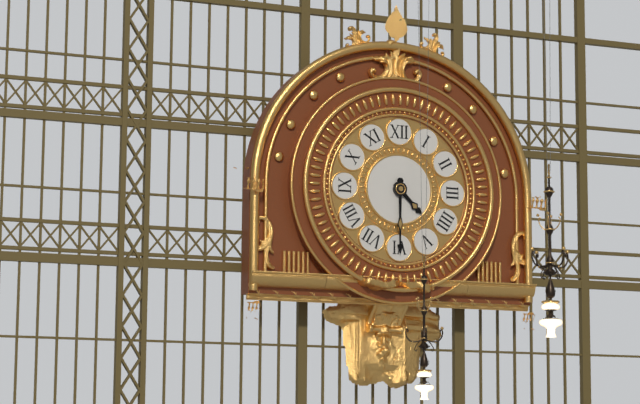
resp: 4,30
